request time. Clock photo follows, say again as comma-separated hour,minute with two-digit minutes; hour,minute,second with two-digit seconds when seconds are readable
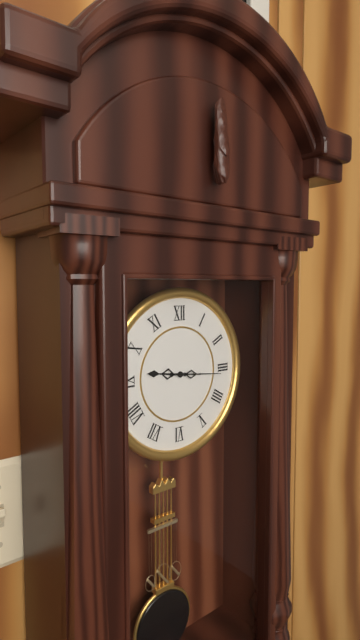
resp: 9,16
